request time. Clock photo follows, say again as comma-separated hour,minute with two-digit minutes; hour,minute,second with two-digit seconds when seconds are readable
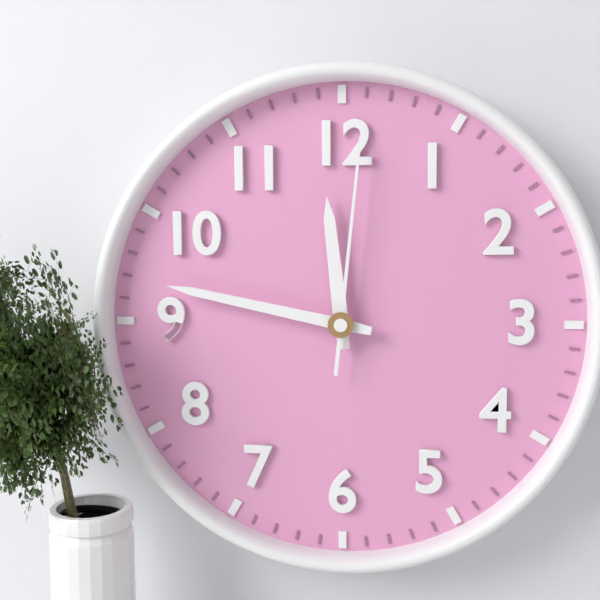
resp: 11,47,01
